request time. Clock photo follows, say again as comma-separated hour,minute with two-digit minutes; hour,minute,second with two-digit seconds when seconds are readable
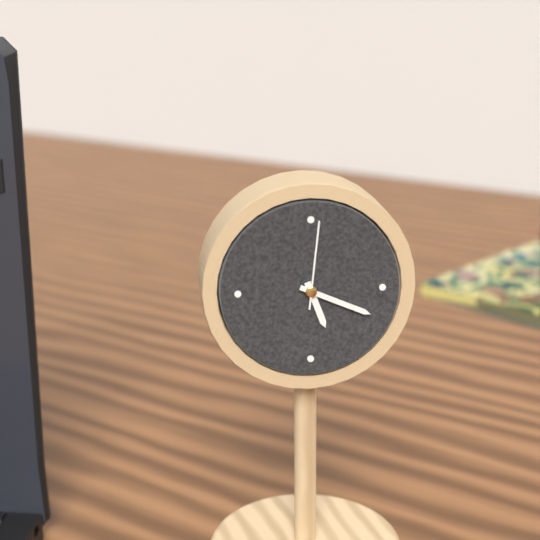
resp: 5,19,01
